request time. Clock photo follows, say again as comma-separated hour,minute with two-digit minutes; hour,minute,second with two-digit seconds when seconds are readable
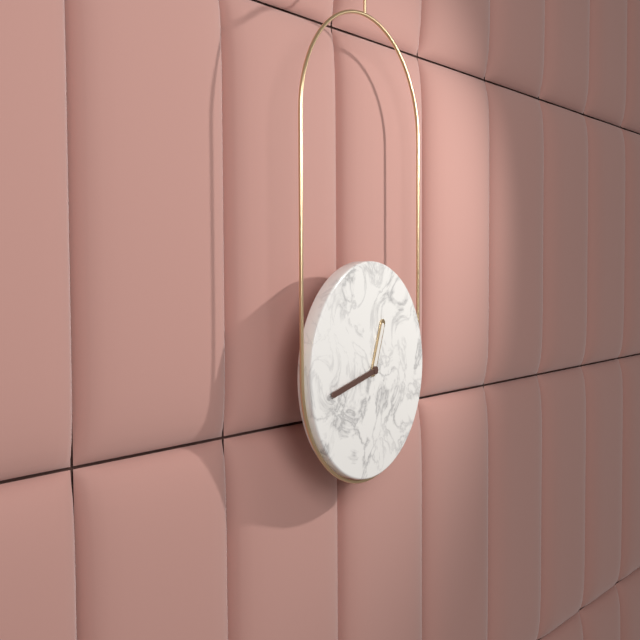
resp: 12,43
